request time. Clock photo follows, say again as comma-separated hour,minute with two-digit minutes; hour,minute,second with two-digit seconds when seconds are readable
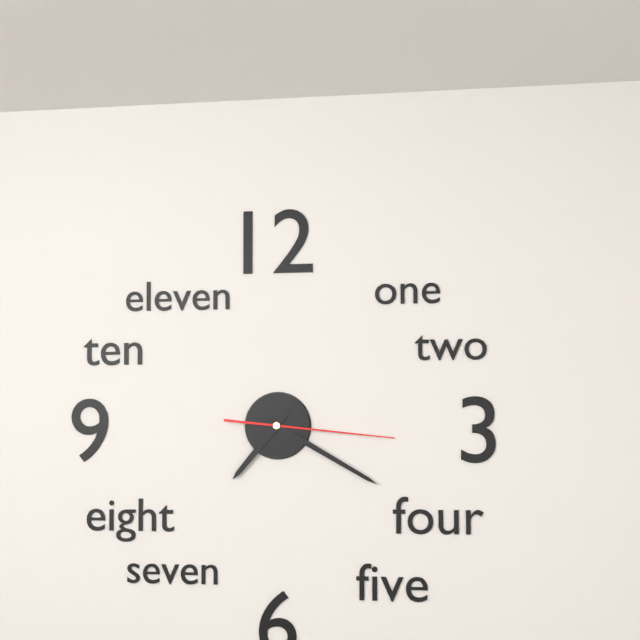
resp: 7,20,16
